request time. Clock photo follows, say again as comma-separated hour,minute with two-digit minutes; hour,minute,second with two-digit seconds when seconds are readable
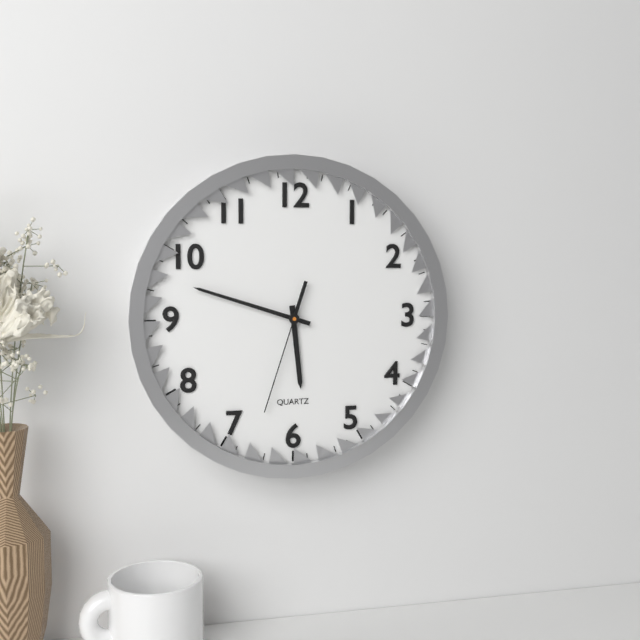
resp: 5,48,33
